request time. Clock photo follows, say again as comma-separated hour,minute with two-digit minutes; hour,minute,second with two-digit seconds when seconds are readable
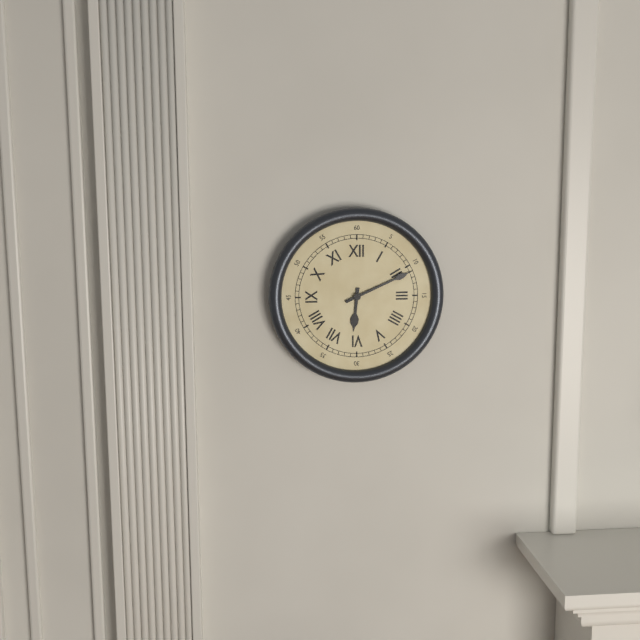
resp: 6,11
